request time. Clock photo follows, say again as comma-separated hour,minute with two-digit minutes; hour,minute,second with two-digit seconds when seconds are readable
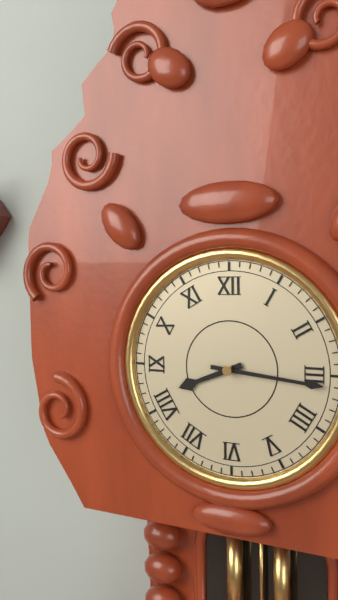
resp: 8,16
